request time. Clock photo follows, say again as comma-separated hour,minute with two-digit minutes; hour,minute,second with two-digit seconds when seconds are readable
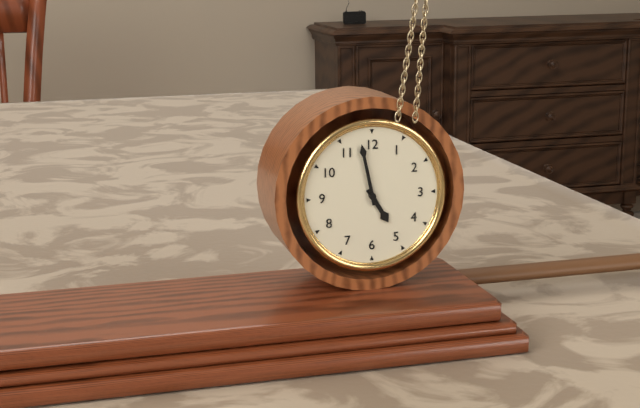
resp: 4,58
